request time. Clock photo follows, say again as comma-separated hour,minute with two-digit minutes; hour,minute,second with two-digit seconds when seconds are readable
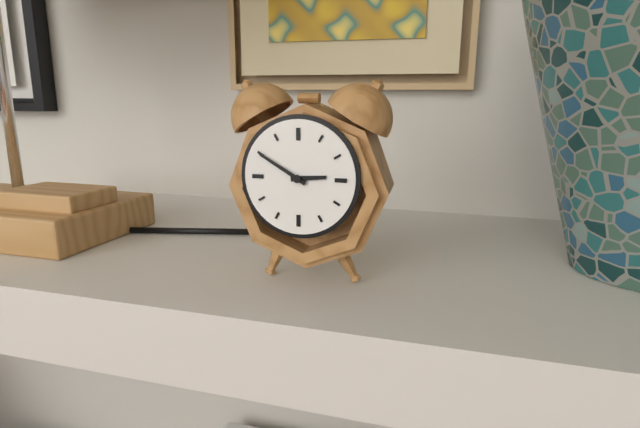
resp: 2,50
